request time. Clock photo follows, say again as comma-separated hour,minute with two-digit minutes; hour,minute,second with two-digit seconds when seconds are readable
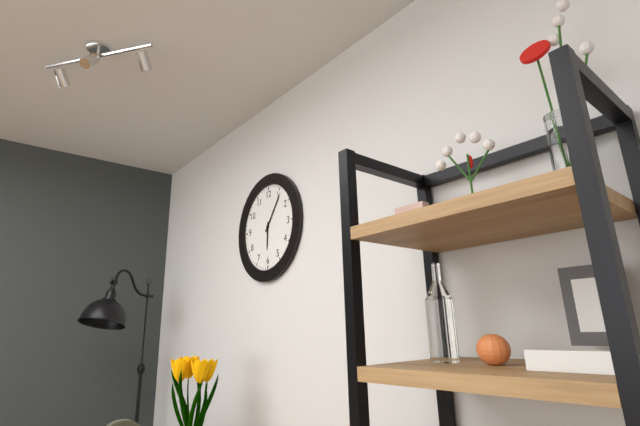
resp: 6,06
